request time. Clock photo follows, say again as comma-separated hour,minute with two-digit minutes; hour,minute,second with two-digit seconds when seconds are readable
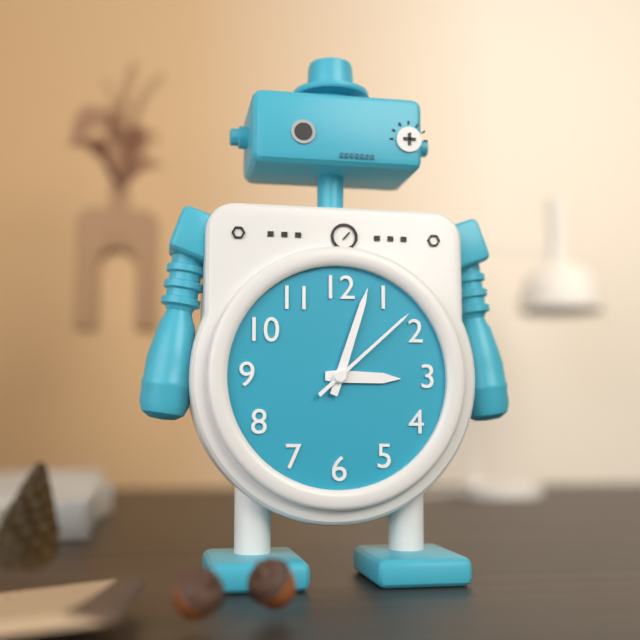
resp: 3,03,08
